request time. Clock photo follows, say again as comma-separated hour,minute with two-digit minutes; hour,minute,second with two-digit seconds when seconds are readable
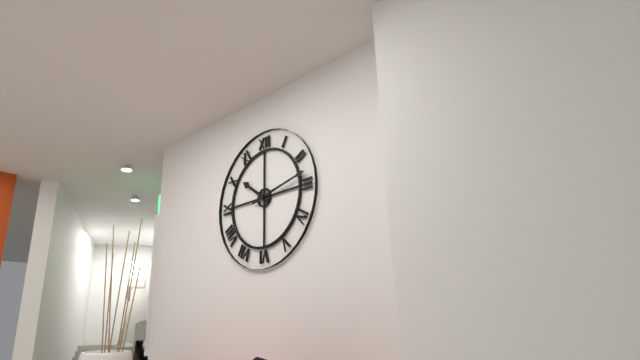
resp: 10,13
